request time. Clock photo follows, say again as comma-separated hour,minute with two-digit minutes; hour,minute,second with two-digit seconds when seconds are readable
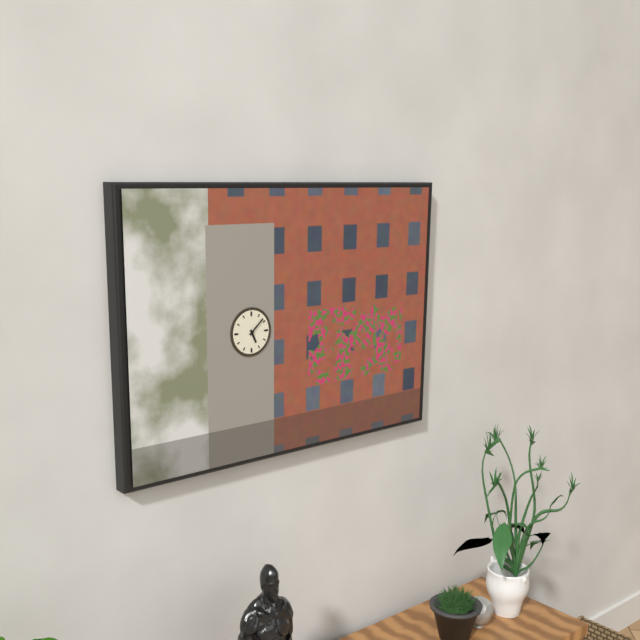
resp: 5,08
